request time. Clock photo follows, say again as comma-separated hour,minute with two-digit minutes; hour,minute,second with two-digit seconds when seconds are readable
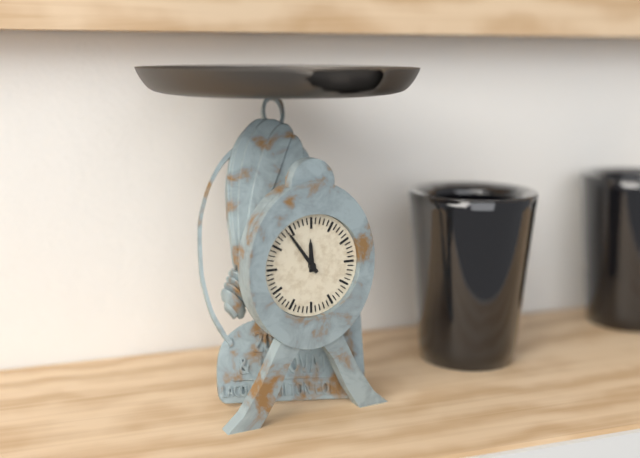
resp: 11,54
